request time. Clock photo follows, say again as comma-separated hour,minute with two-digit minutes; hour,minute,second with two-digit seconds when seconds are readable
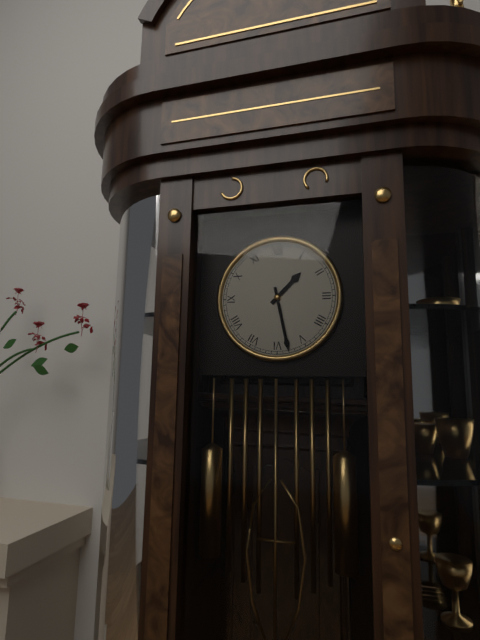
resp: 1,28
